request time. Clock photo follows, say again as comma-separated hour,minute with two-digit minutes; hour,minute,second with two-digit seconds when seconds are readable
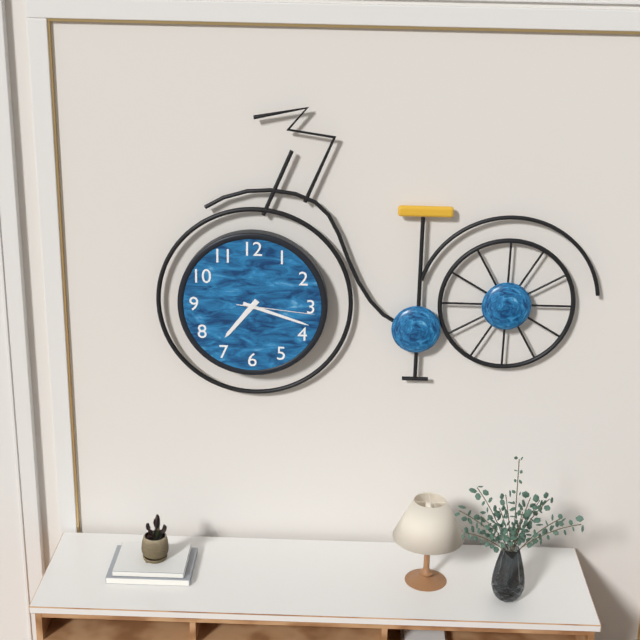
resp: 7,18,16
